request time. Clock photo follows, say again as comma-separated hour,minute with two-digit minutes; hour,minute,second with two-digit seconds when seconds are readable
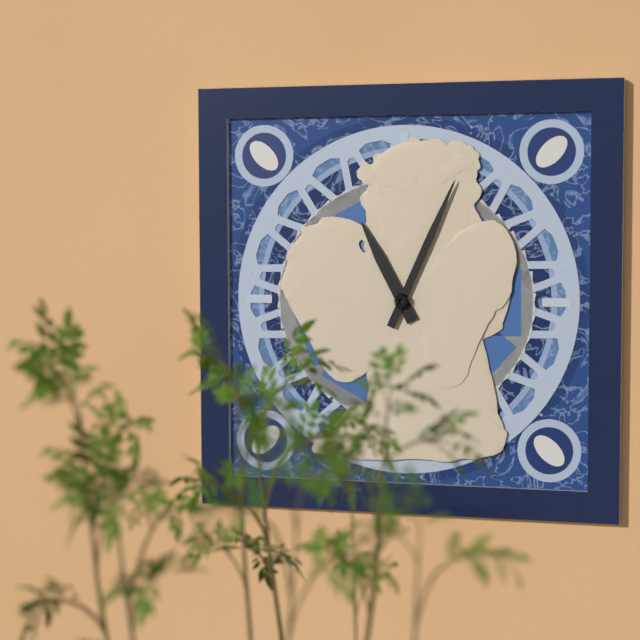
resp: 11,04
